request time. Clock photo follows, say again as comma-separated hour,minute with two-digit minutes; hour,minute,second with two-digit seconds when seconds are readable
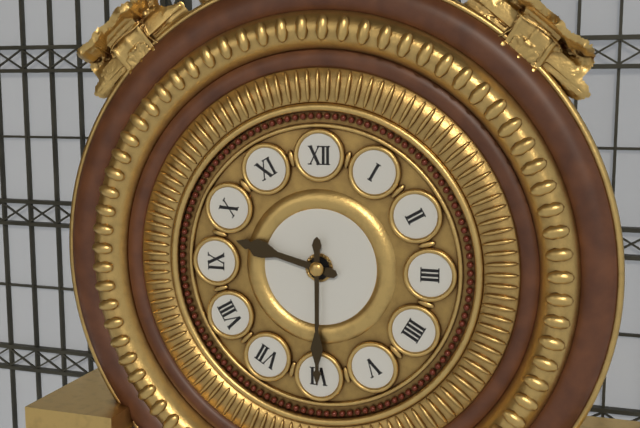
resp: 9,30
